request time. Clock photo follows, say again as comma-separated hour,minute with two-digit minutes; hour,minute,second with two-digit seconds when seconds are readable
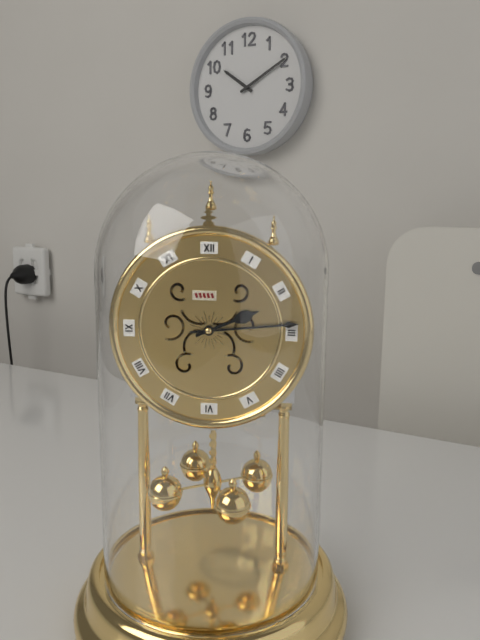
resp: 2,14
